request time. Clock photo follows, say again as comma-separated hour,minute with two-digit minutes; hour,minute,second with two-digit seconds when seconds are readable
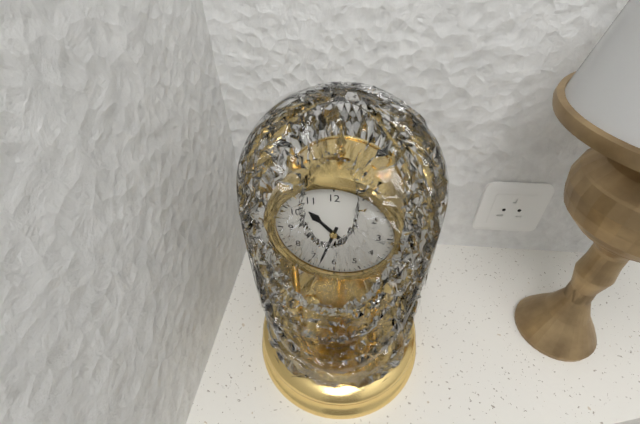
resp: 10,33
